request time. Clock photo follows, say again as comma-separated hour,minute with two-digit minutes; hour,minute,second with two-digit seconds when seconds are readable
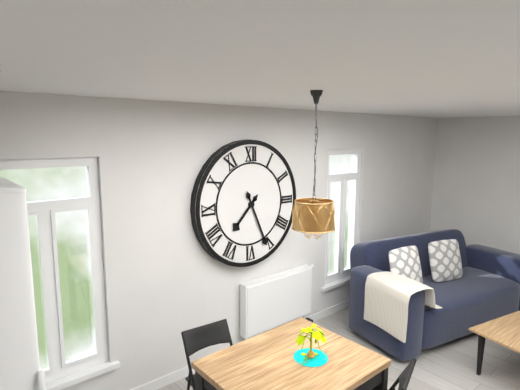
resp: 7,26
